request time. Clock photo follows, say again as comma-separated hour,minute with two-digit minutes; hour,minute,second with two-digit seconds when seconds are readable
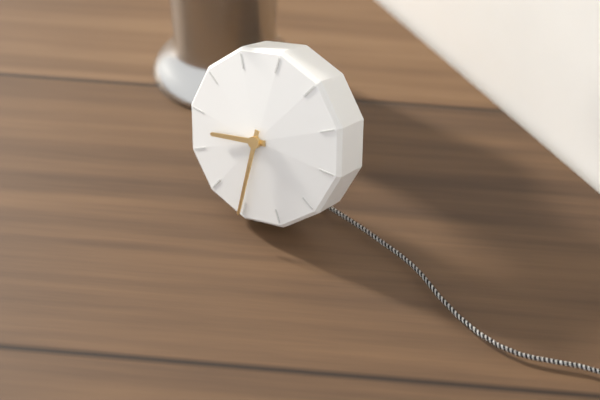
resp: 8,30
